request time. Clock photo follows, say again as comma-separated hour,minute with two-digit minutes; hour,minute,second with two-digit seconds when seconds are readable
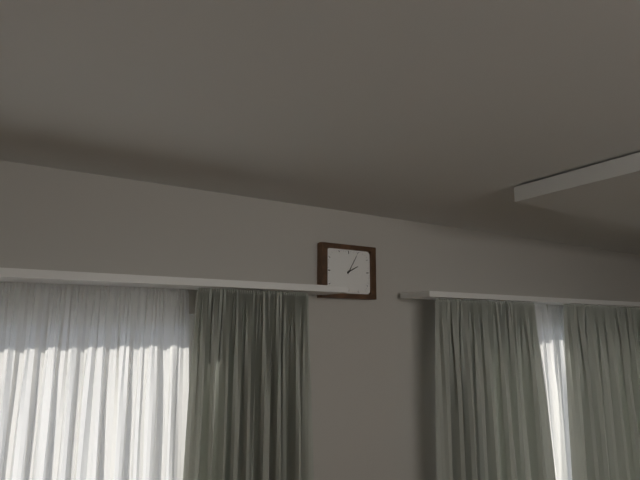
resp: 2,05
